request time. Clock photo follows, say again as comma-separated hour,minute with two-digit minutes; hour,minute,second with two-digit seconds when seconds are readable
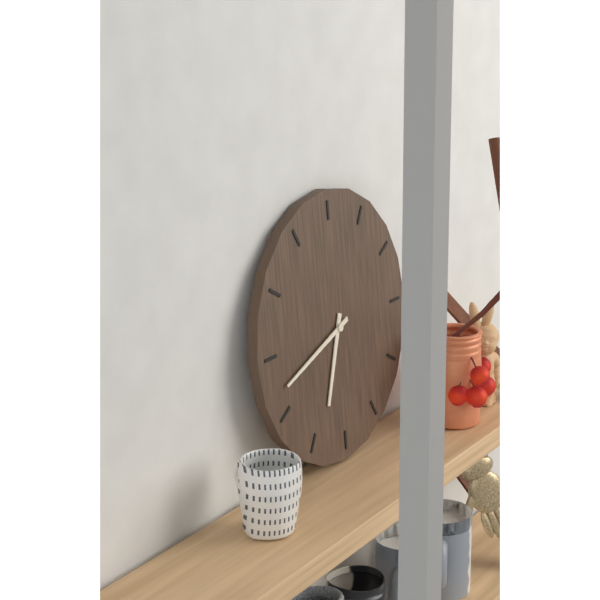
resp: 6,42
